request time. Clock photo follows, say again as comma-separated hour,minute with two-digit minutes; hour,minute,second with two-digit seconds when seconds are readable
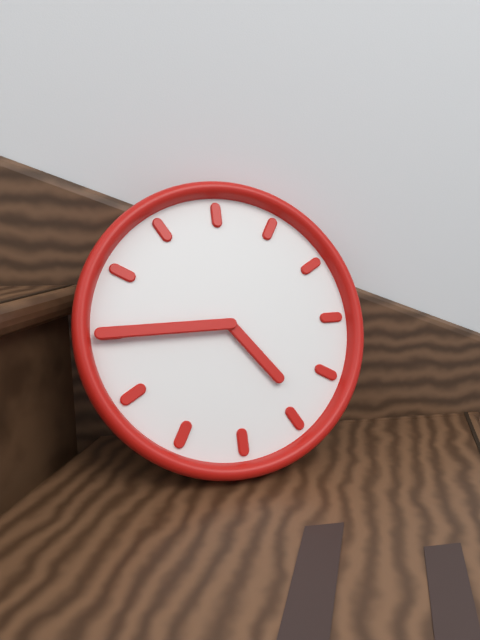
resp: 4,45
